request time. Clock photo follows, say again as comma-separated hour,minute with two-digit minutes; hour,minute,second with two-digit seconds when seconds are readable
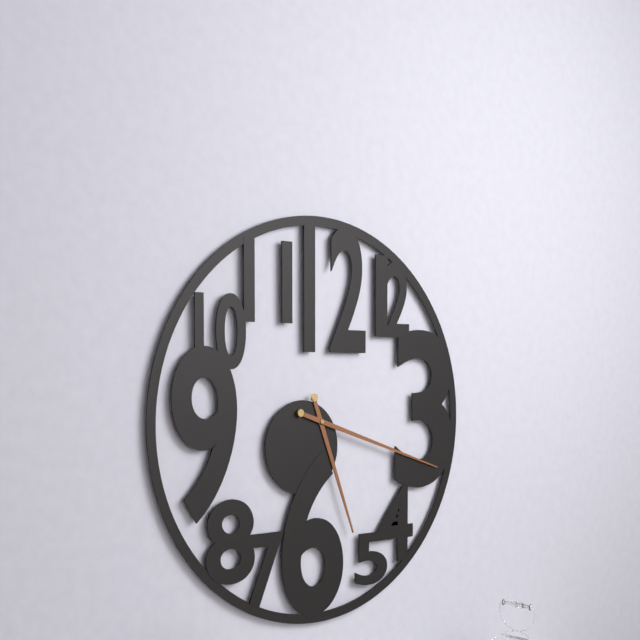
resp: 5,18
